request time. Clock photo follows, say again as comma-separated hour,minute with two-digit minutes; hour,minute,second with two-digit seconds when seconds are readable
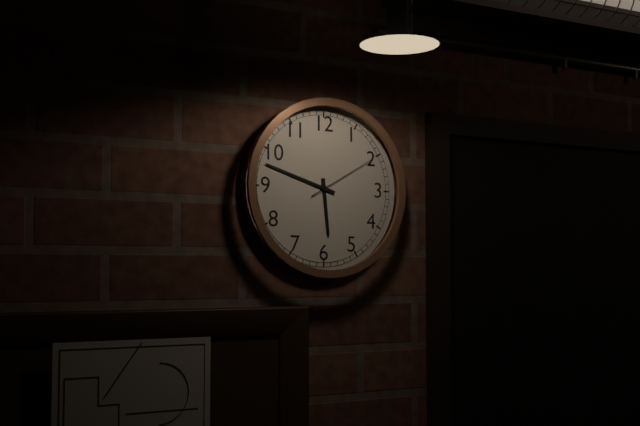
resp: 5,48,10
